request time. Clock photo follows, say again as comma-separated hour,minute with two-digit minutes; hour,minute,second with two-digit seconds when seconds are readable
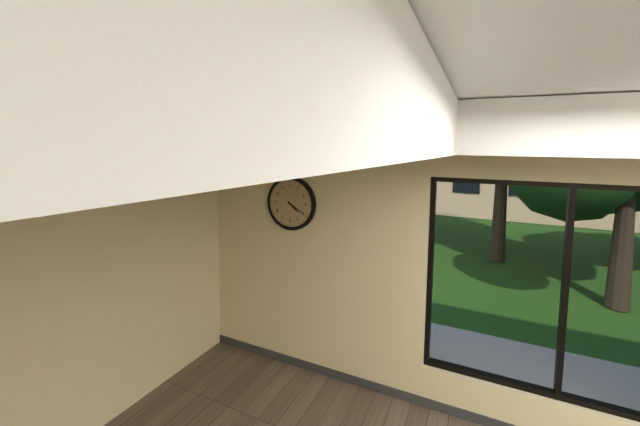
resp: 4,20
